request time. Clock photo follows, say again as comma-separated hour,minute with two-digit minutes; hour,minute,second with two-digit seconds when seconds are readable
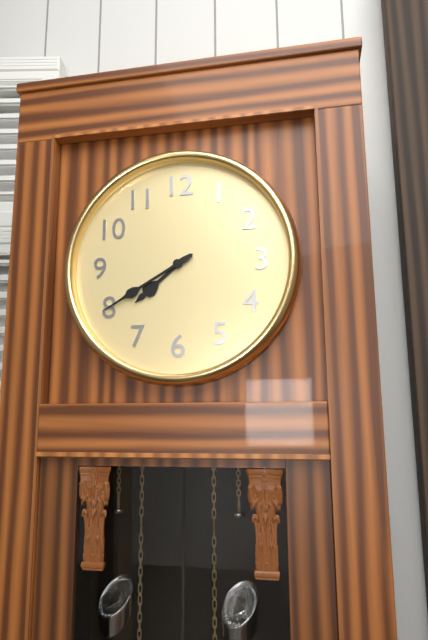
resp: 7,40
